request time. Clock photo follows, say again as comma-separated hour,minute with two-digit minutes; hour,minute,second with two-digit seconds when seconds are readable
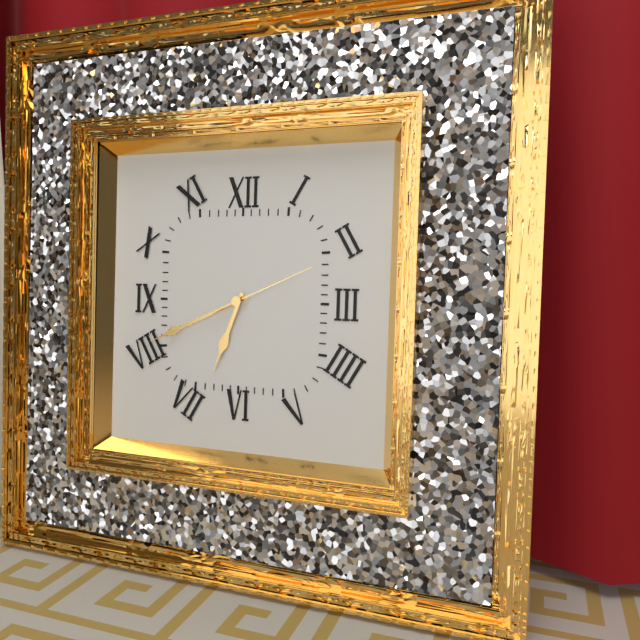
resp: 6,41,11
